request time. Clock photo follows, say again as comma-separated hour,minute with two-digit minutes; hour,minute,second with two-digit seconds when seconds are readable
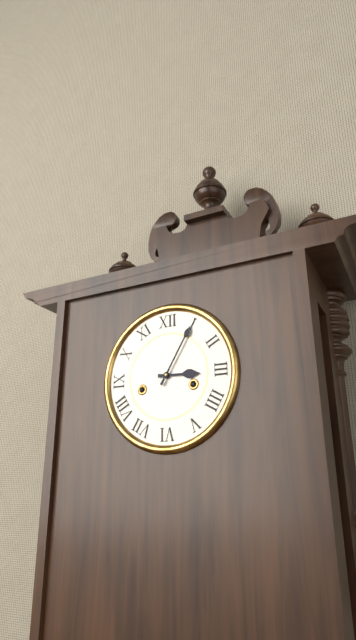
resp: 3,05
